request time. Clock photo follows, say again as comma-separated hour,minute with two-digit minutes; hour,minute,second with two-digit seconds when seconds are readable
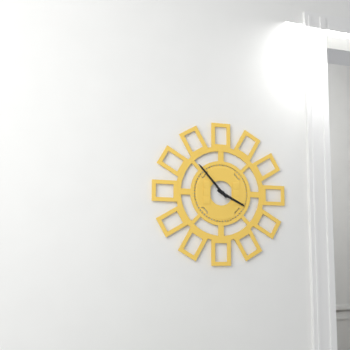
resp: 3,53
